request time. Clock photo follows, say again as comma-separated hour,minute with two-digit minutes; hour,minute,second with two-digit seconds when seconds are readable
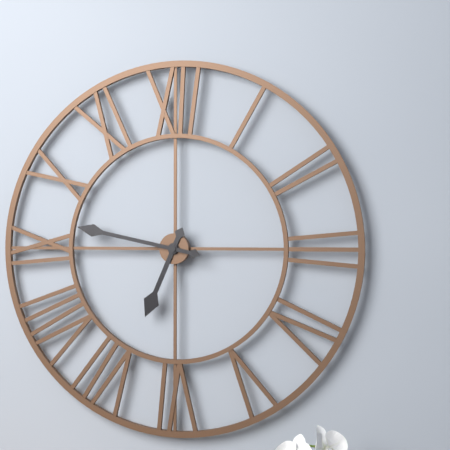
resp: 6,47
